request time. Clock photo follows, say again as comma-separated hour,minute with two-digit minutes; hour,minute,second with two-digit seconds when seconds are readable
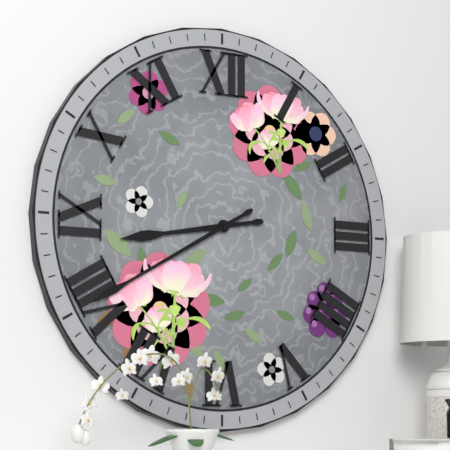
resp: 8,40
